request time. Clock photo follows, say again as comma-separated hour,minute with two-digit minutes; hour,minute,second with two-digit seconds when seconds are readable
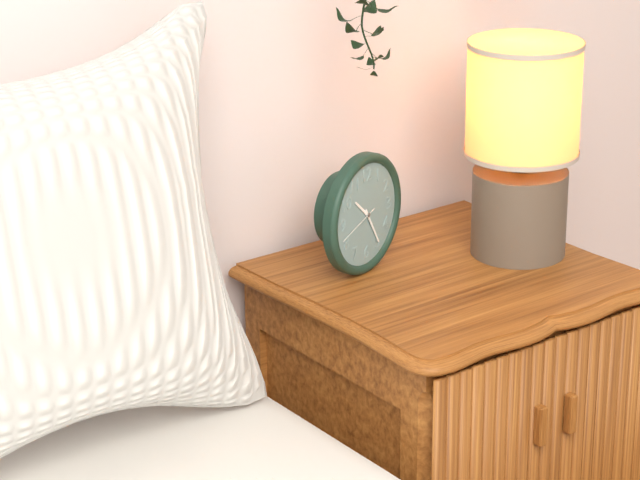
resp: 10,25
